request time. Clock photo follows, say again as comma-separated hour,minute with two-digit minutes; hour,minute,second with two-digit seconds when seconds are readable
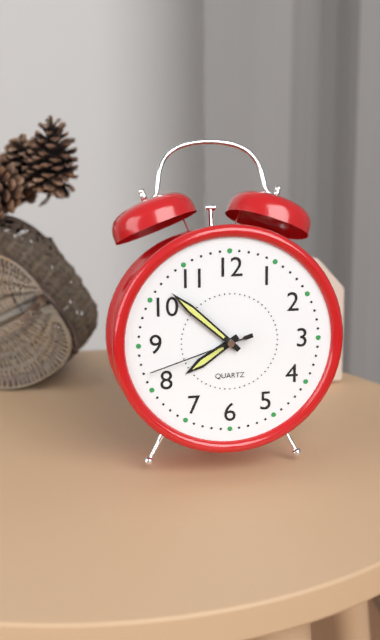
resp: 7,52,42
